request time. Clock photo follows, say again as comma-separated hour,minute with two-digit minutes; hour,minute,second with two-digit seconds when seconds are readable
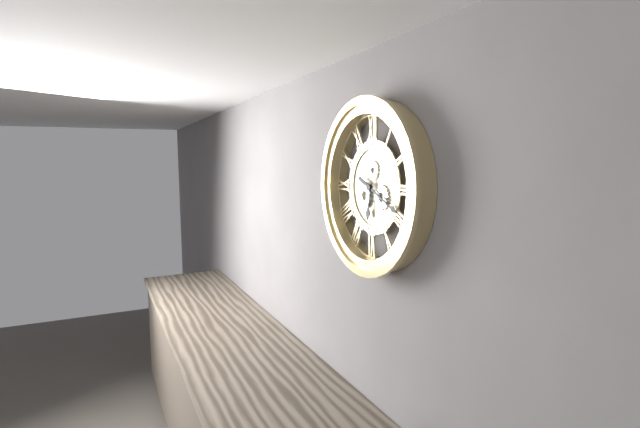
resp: 6,19
